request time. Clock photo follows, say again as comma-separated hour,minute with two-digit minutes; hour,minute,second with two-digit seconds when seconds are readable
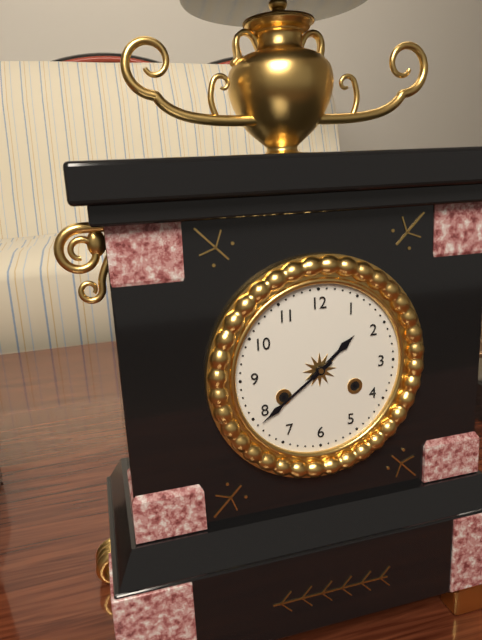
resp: 1,39
